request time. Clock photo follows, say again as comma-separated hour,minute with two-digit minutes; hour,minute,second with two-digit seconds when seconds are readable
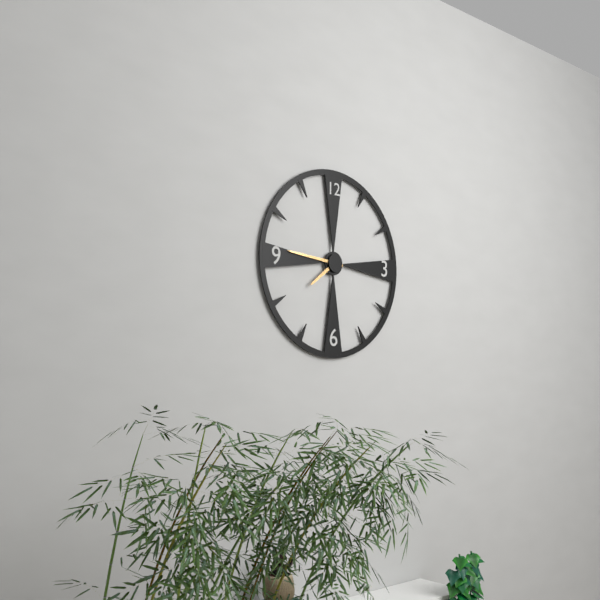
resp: 7,46
